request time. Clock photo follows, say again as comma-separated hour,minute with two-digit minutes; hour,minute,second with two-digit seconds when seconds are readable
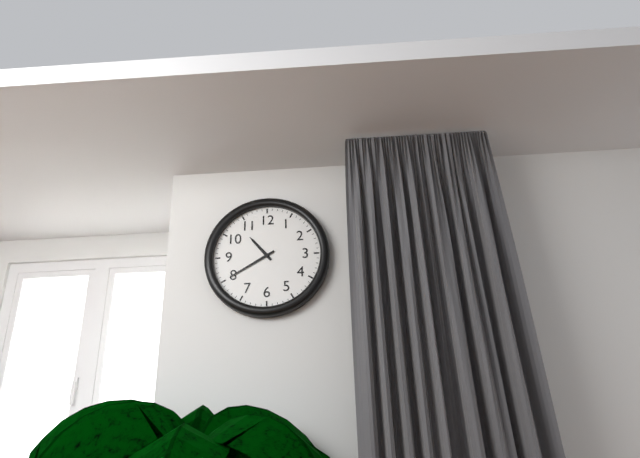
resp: 10,40
